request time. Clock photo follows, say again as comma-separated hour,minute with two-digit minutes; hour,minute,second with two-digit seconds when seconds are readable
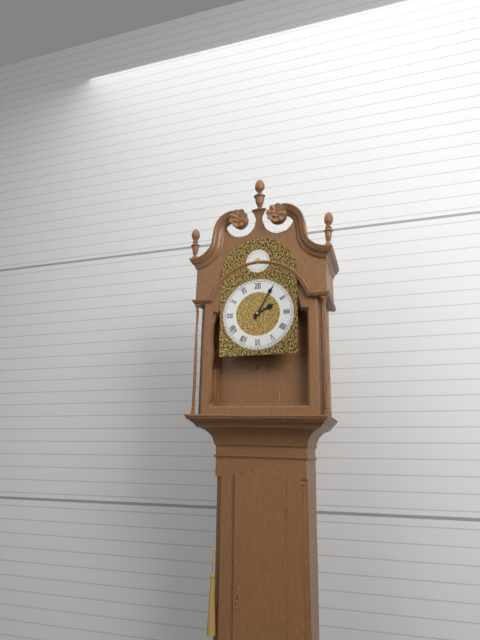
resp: 2,05
